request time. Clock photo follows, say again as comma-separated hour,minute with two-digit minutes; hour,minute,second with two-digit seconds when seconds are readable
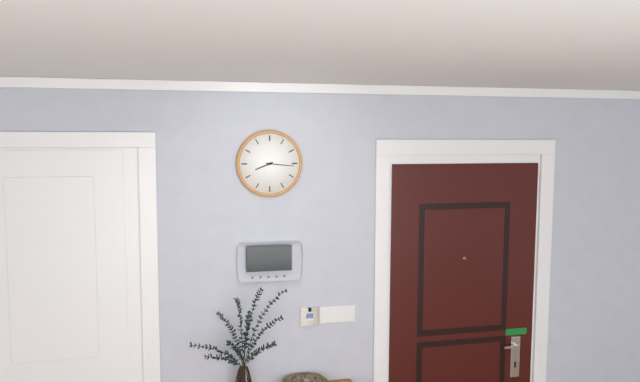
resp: 8,16
